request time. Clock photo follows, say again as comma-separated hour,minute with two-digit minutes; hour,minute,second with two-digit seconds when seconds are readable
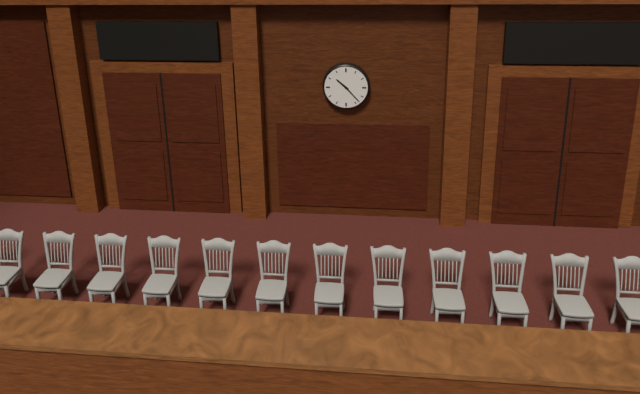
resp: 10,23
